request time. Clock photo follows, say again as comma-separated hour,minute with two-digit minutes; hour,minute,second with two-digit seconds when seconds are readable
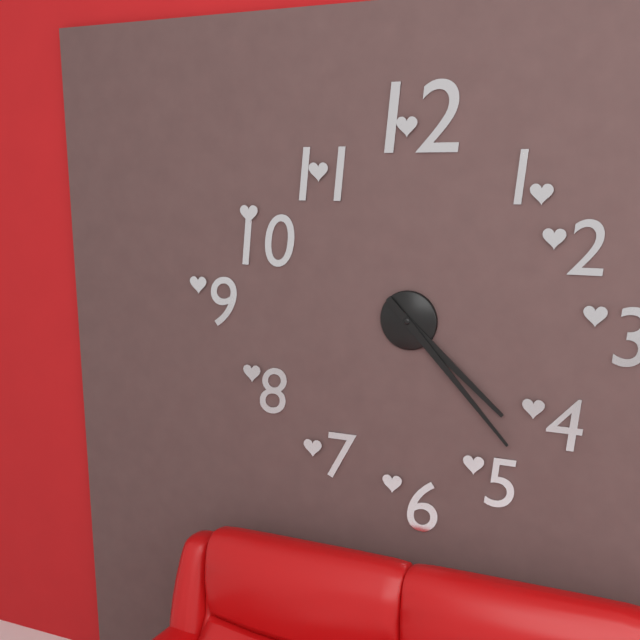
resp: 4,23
